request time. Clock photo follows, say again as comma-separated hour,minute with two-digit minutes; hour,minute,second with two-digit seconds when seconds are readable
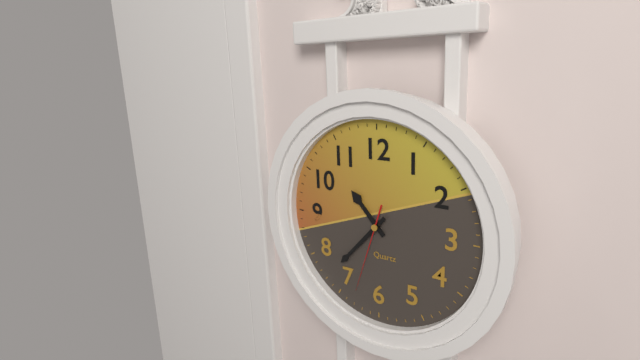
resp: 10,37,33
